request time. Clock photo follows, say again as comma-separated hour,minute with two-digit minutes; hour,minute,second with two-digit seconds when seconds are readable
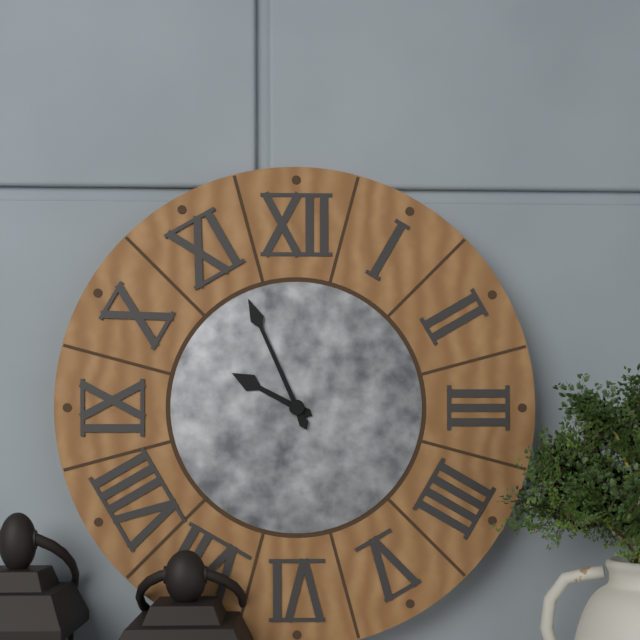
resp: 9,56
